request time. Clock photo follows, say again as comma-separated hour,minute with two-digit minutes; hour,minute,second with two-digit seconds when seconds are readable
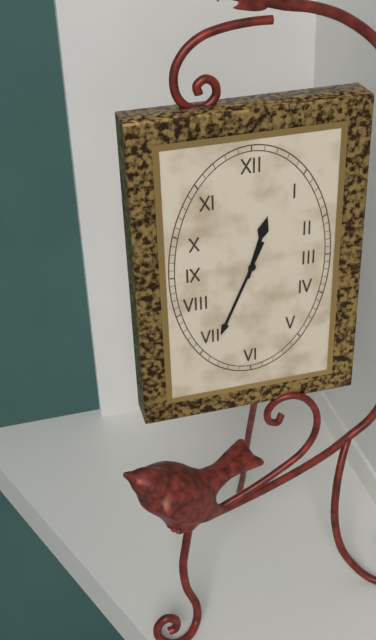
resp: 12,34
